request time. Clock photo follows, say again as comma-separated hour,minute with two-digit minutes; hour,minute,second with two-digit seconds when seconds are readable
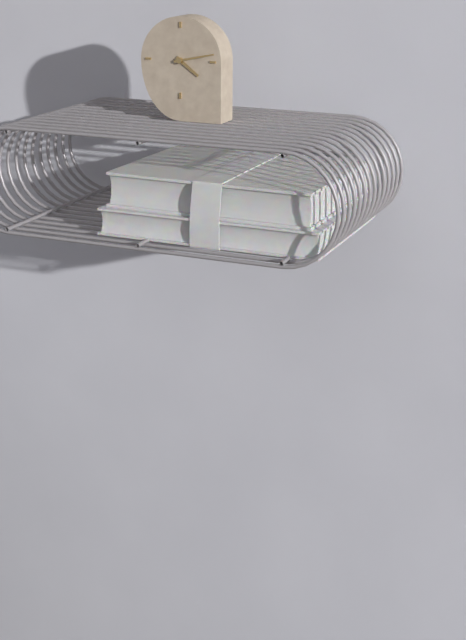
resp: 4,13
